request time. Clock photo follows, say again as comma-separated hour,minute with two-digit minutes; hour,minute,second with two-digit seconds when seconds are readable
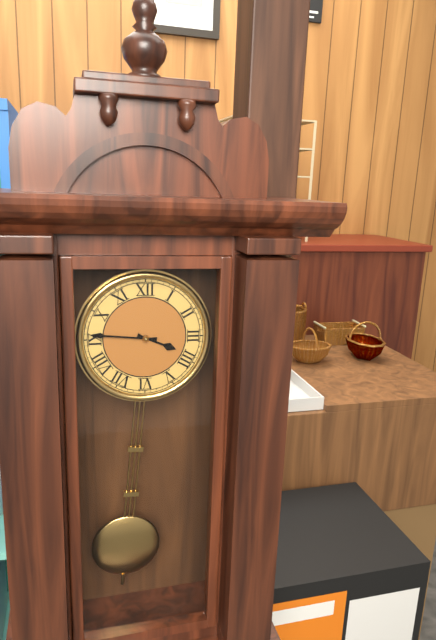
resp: 3,46
